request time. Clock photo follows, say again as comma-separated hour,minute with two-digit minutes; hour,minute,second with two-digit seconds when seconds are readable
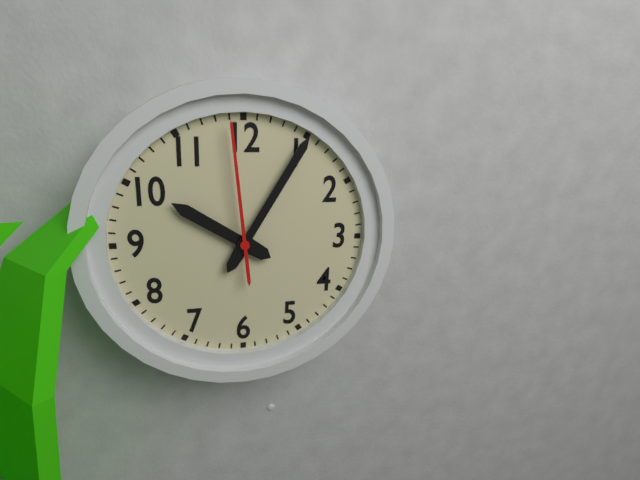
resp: 10,05,59
